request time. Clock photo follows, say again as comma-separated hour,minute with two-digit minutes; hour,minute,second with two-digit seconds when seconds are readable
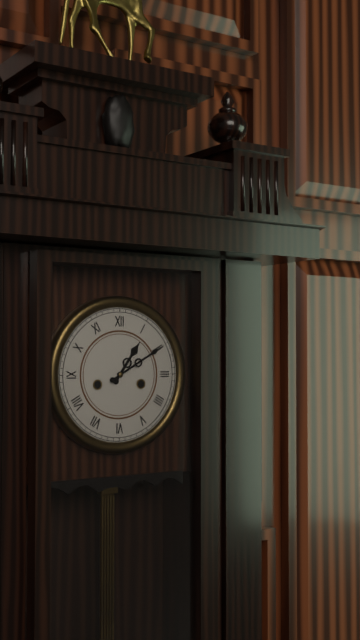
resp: 1,10
